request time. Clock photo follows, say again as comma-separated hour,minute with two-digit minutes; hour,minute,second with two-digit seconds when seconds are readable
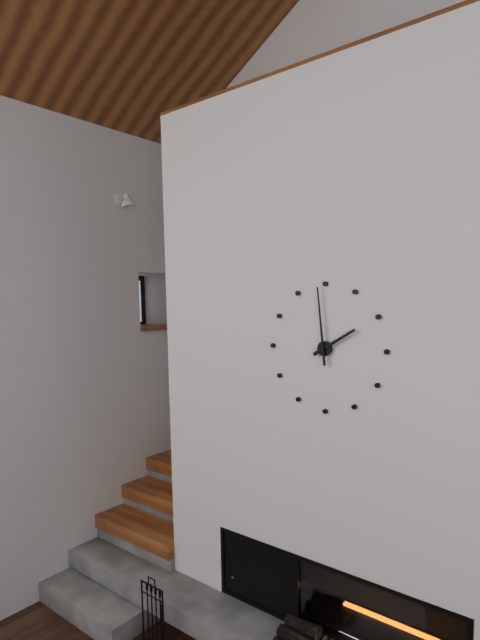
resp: 1,59
